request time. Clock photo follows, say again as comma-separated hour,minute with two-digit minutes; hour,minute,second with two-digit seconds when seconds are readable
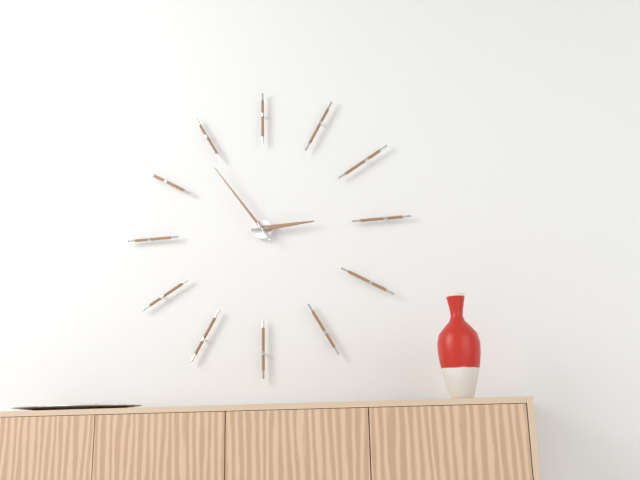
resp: 2,54
